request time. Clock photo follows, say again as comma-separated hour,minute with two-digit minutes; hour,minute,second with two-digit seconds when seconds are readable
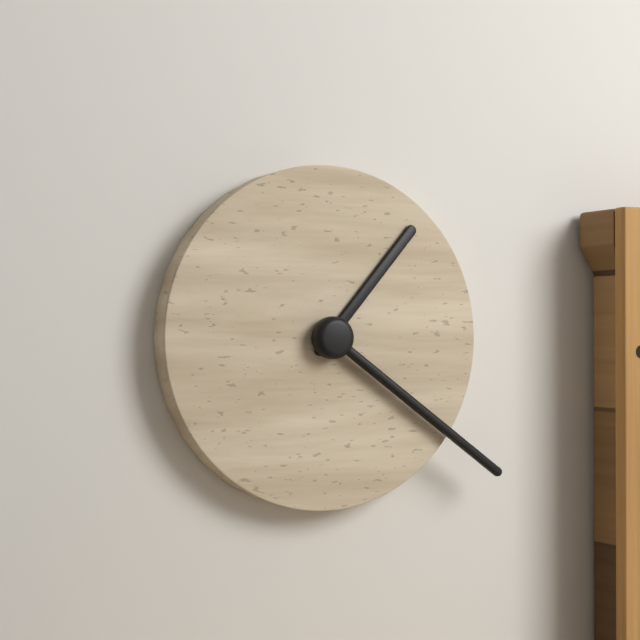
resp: 1,21
